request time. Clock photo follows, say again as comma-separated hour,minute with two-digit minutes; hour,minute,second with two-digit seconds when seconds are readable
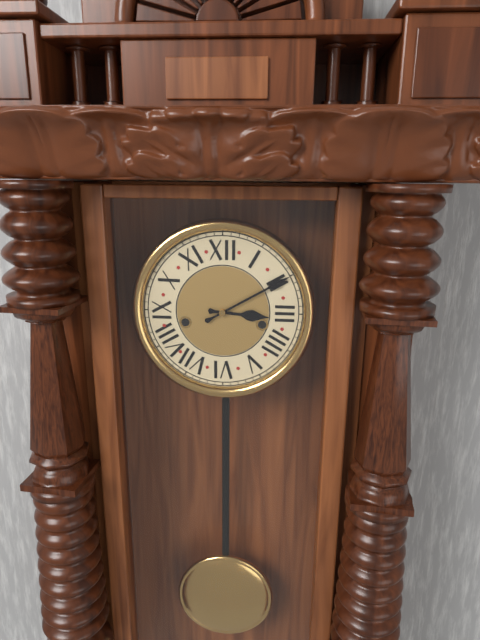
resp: 3,10
